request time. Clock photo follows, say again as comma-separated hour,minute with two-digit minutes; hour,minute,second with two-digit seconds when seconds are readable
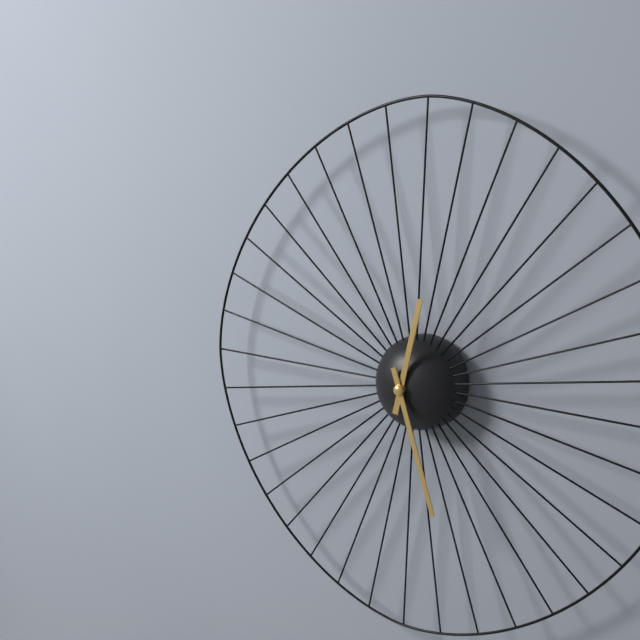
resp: 12,27
